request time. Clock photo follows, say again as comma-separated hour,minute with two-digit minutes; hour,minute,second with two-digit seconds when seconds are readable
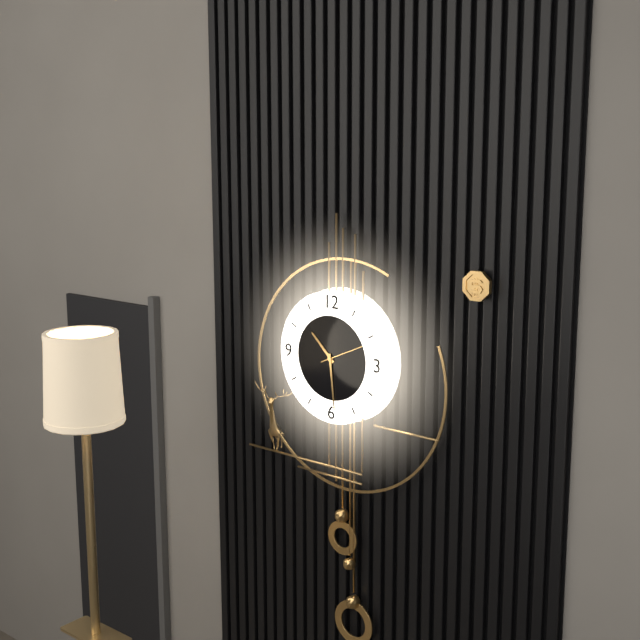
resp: 10,29,11
